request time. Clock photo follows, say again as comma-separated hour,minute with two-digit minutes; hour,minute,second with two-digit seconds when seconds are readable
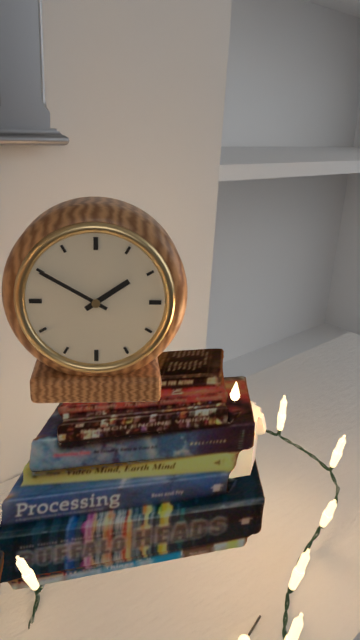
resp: 1,50
